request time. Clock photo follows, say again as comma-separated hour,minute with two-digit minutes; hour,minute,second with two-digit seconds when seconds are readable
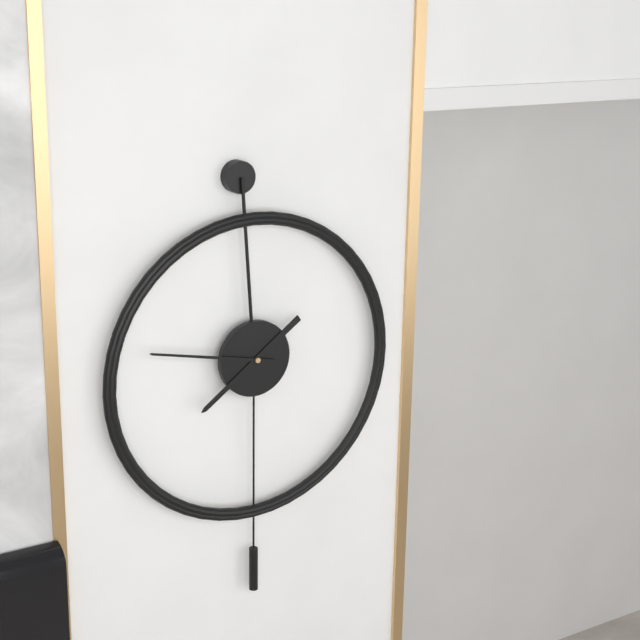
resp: 7,47
